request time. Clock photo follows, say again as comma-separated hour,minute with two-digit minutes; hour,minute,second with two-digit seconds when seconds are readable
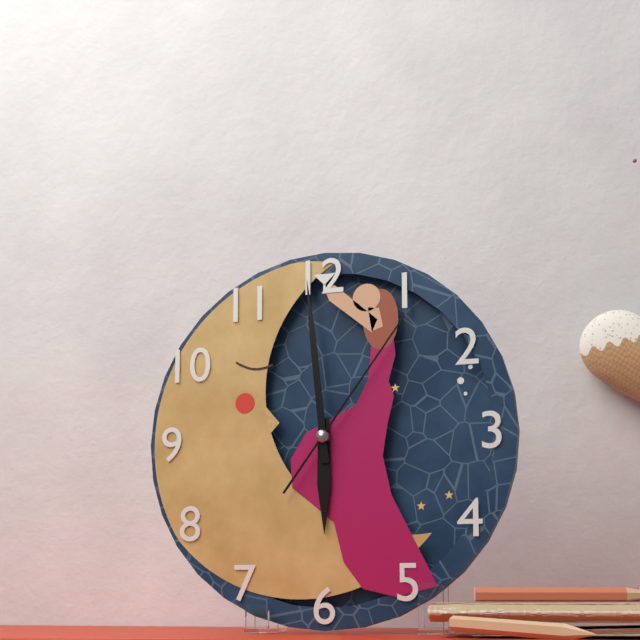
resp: 5,59,06
